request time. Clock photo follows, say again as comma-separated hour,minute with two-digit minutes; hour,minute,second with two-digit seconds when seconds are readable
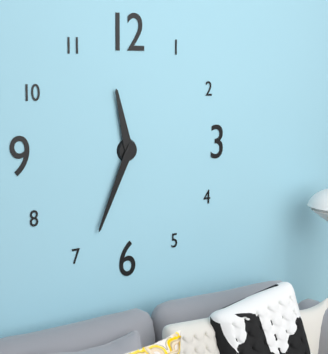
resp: 11,34
